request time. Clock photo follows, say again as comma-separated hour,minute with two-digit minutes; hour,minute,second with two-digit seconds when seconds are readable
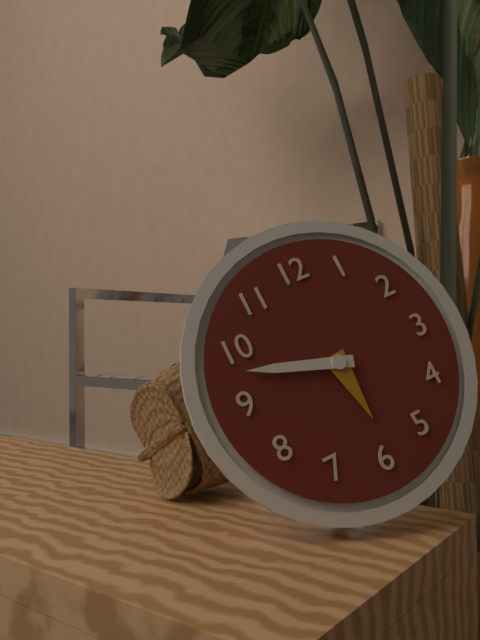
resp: 5,48
